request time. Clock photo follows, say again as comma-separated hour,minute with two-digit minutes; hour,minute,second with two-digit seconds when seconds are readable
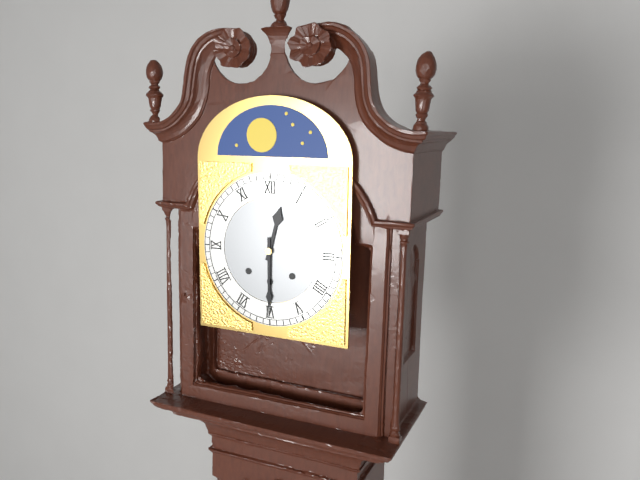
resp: 12,30
